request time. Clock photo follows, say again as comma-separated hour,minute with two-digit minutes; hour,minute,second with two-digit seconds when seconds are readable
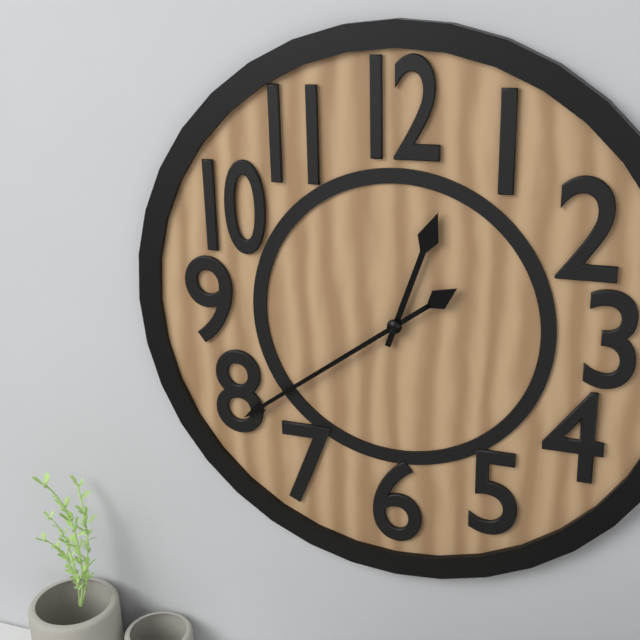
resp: 12,39
